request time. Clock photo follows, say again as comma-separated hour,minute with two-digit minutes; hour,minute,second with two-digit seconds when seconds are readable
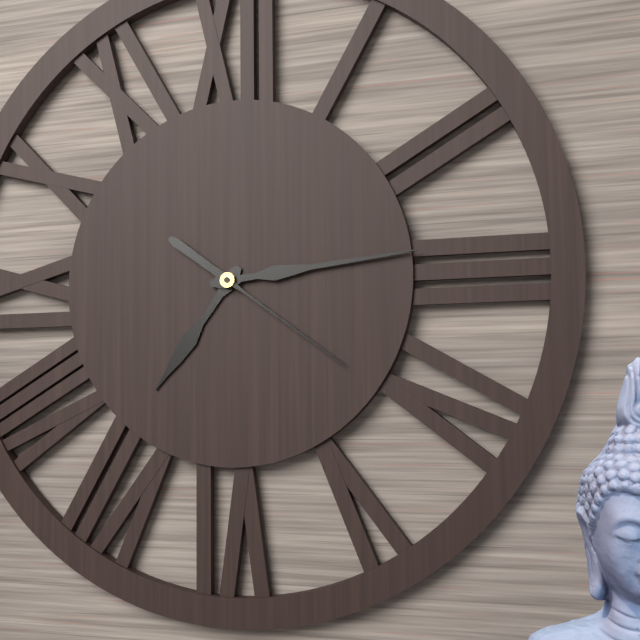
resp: 7,14,21
